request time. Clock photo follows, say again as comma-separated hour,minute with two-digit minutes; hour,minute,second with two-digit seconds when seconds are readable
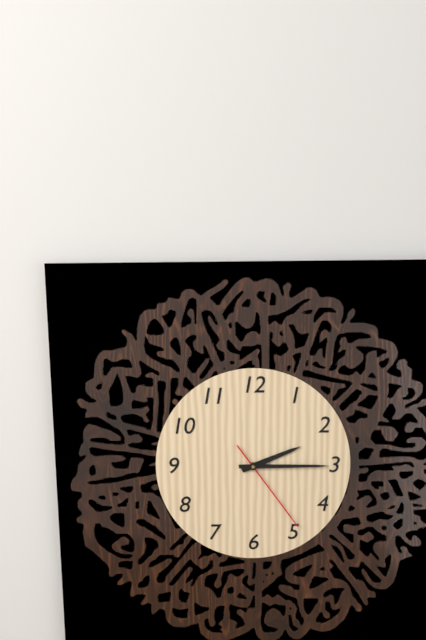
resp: 2,15,24
